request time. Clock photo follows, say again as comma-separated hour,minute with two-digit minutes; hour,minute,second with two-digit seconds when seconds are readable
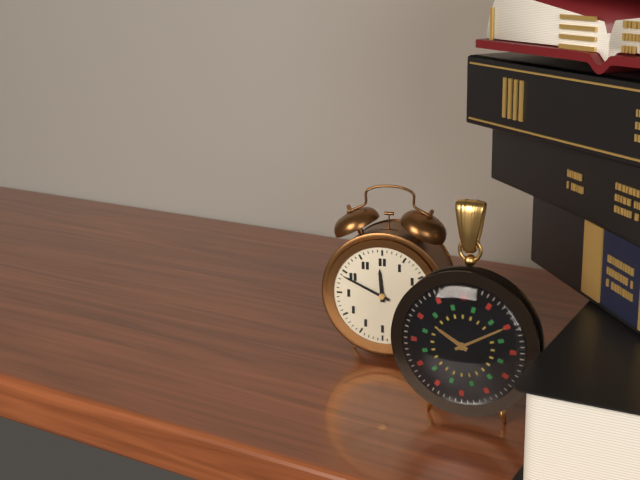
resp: 11,49
